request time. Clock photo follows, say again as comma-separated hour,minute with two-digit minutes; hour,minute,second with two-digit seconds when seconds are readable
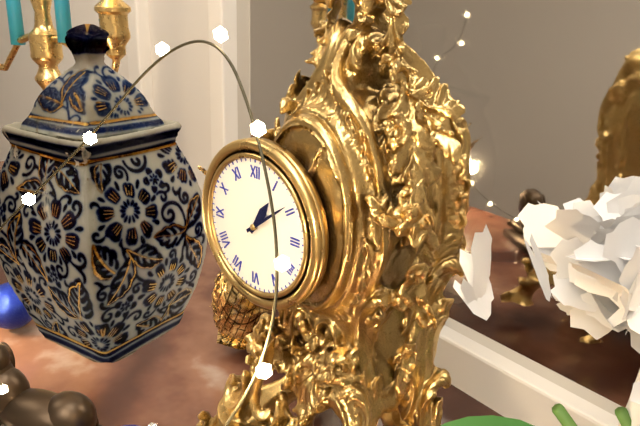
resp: 1,09
